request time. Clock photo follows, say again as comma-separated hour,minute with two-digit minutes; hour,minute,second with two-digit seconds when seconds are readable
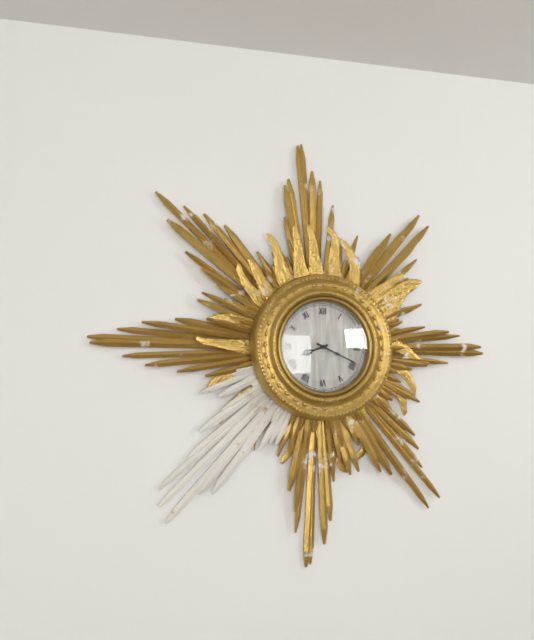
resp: 8,19
